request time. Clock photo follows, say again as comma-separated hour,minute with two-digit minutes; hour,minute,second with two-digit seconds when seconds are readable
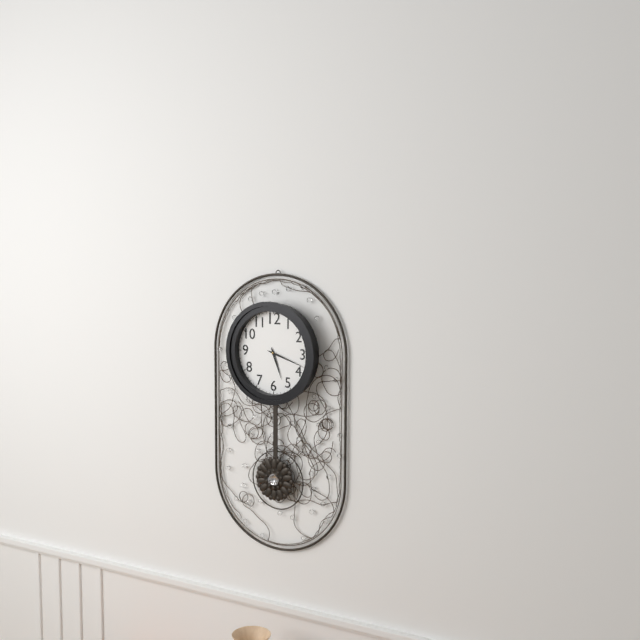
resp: 5,18
